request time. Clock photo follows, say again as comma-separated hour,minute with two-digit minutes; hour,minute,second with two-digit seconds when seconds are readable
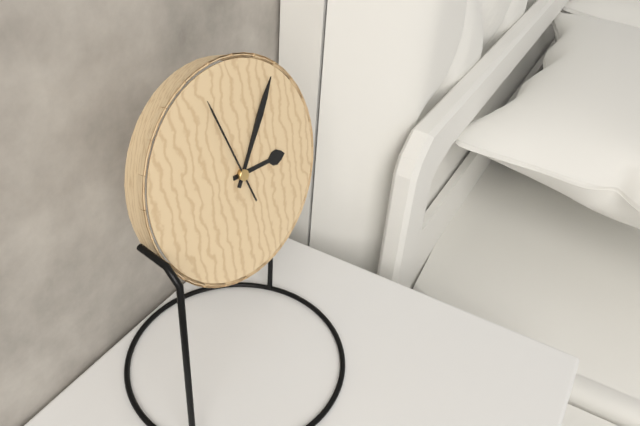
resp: 3,06,57
